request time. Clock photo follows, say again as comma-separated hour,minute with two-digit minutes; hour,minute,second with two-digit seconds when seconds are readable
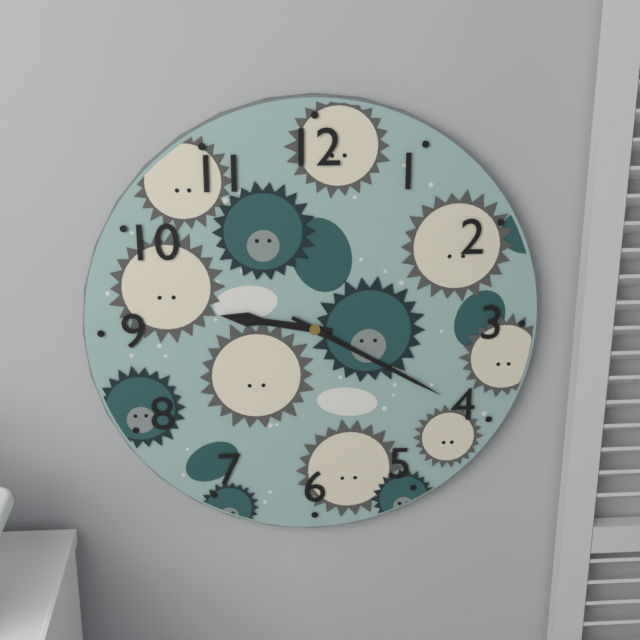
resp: 9,20
